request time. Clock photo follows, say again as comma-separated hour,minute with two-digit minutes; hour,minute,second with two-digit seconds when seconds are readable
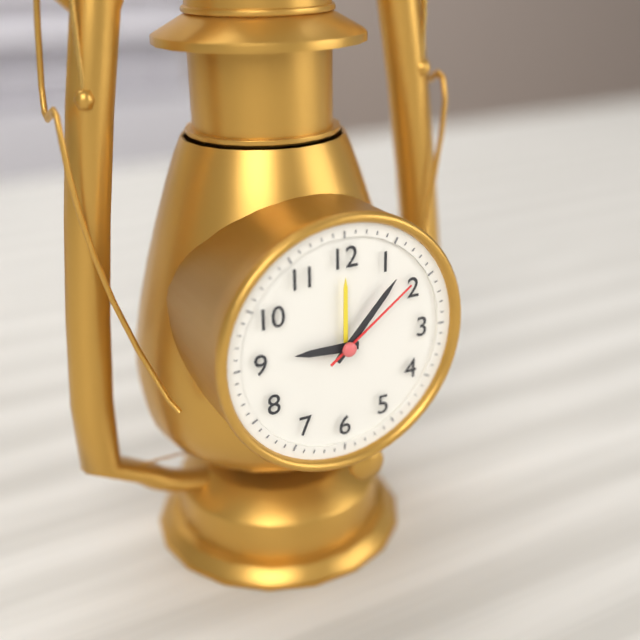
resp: 9,07,09
